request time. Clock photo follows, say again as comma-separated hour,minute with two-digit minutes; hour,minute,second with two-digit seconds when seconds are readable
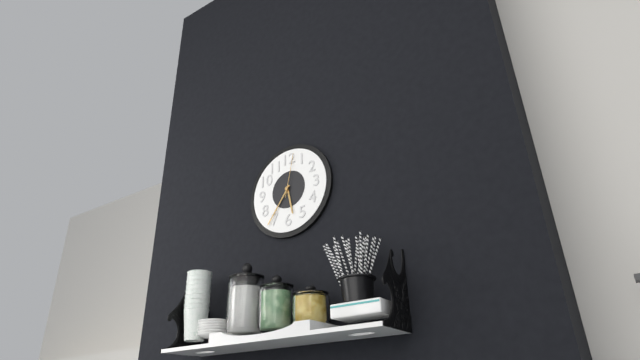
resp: 5,36
